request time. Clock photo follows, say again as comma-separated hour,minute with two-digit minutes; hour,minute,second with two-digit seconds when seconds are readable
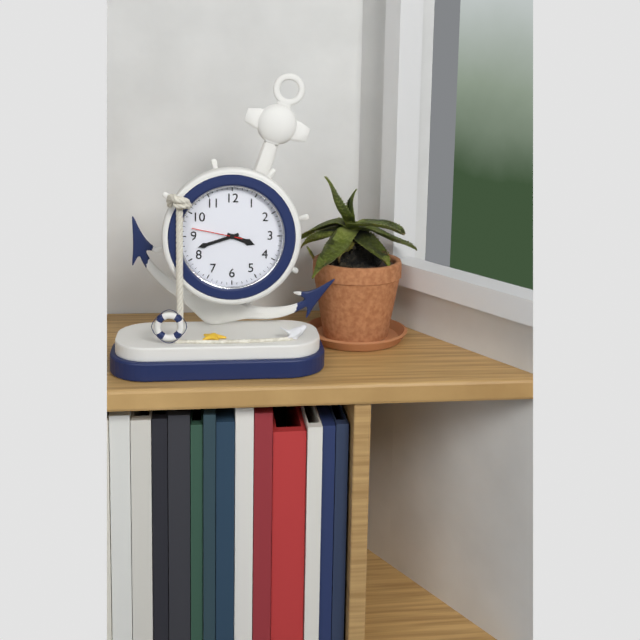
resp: 3,42,47
